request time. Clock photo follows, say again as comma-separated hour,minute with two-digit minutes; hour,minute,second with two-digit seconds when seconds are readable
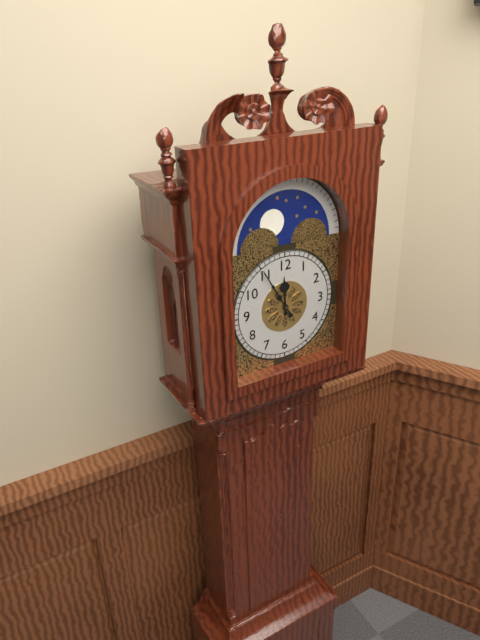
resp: 11,55
